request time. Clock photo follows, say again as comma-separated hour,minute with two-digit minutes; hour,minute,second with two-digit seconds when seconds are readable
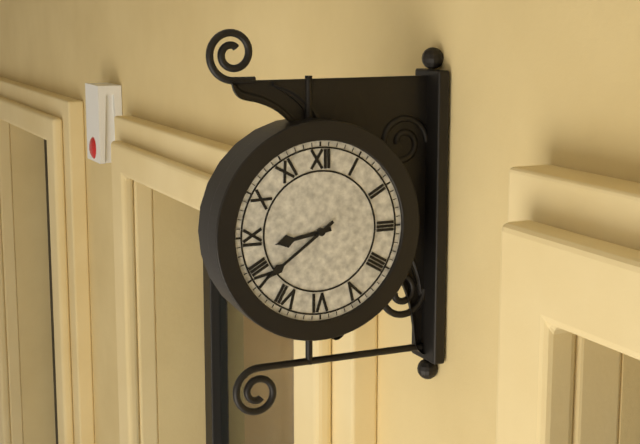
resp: 8,39
